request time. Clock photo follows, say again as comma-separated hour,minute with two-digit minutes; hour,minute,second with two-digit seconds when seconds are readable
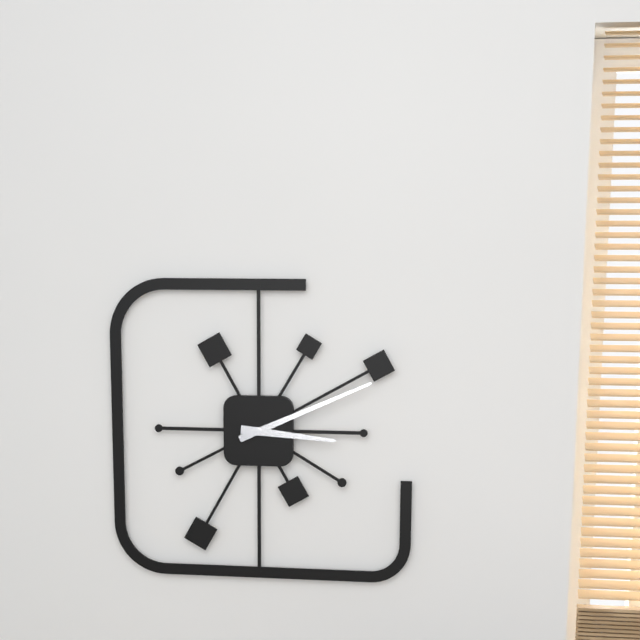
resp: 3,11
